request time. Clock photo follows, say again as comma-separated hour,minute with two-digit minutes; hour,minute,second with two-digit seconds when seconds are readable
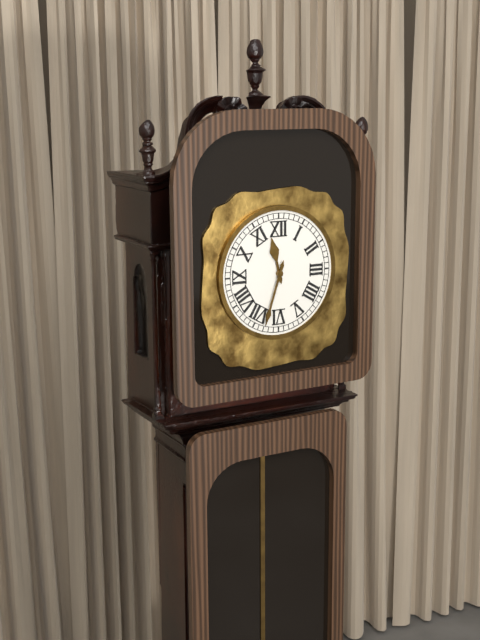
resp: 11,33
